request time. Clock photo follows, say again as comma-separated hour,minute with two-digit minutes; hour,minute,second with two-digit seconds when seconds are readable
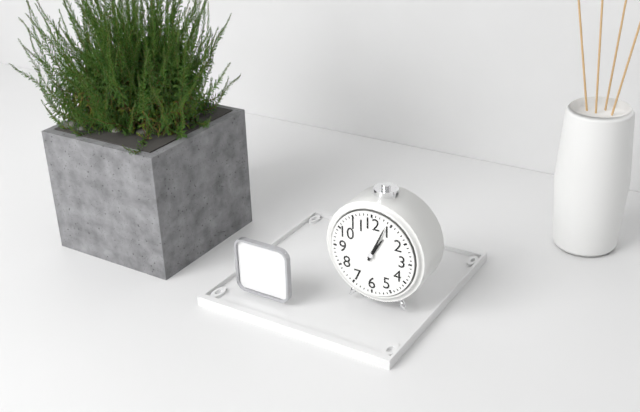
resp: 1,04
